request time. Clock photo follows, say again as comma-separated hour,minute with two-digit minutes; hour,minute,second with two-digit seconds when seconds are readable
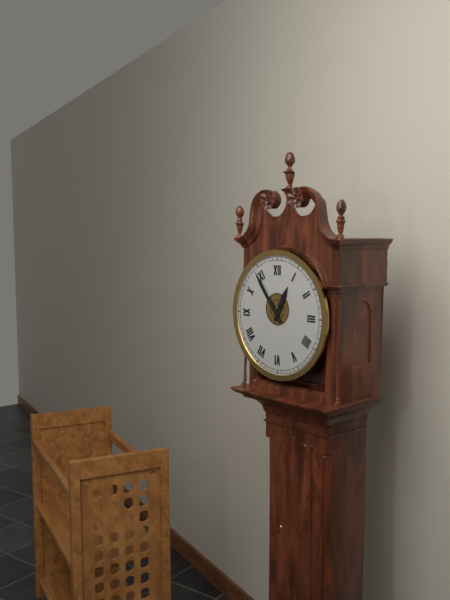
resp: 12,54
